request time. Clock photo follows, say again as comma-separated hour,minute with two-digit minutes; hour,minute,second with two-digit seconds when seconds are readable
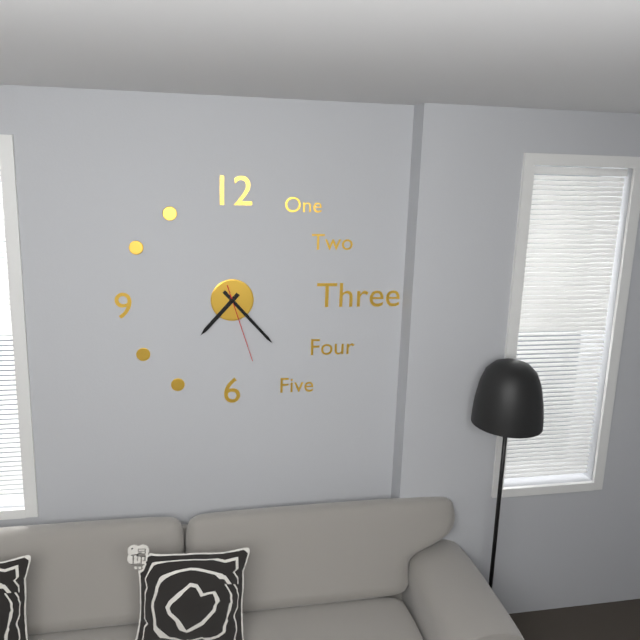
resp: 7,23,27
